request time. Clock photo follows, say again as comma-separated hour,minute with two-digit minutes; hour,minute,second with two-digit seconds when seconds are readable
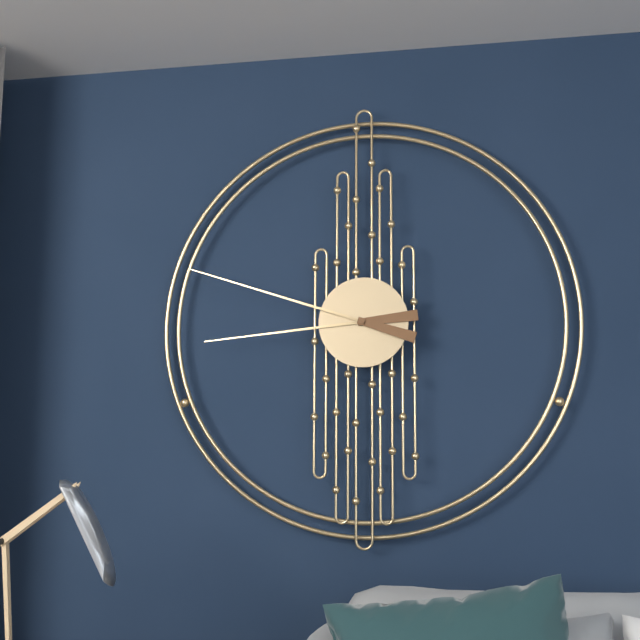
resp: 8,48
